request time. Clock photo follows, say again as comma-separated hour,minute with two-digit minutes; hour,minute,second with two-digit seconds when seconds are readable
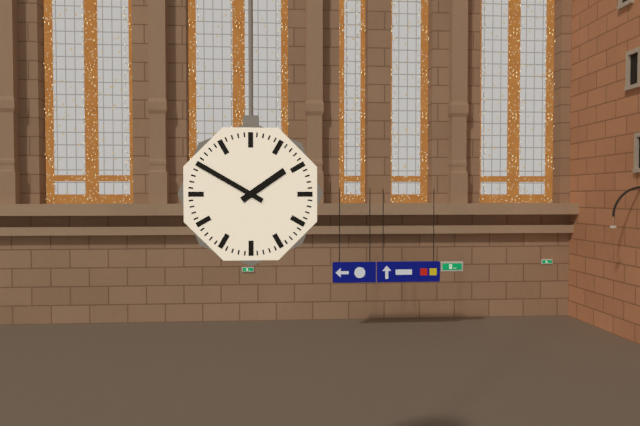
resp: 1,50
